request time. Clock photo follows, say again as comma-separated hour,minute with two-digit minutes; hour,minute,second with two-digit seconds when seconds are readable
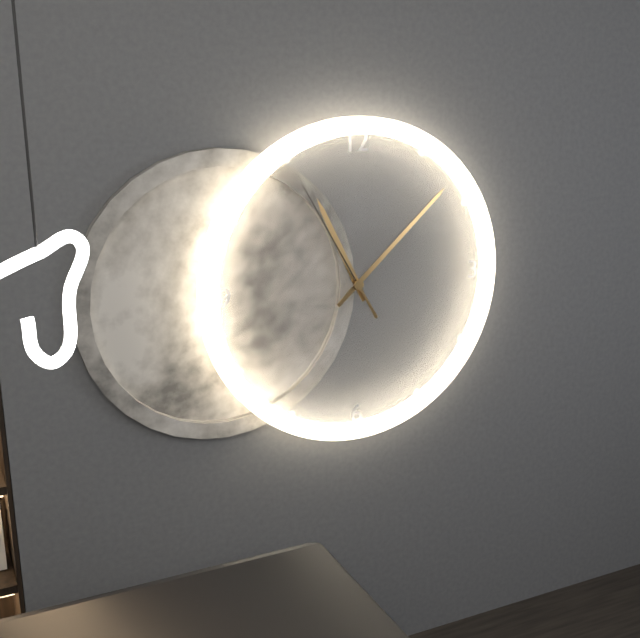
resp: 11,08,55
